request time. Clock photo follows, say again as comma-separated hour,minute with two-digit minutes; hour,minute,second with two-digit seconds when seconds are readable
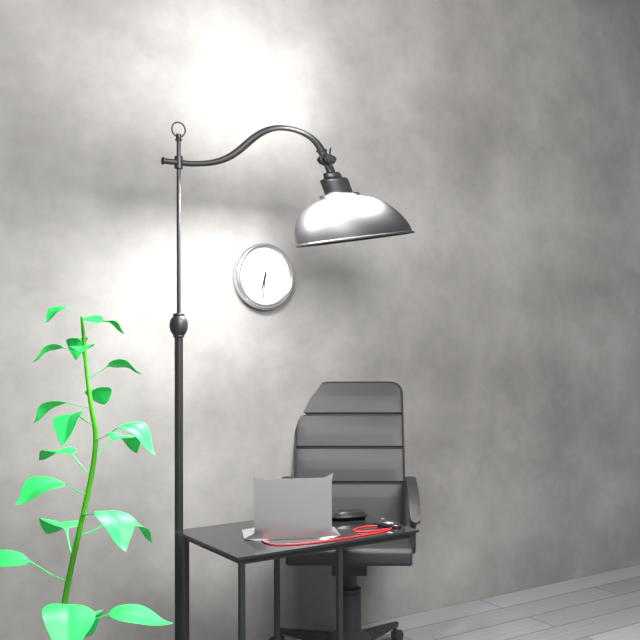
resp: 6,31
